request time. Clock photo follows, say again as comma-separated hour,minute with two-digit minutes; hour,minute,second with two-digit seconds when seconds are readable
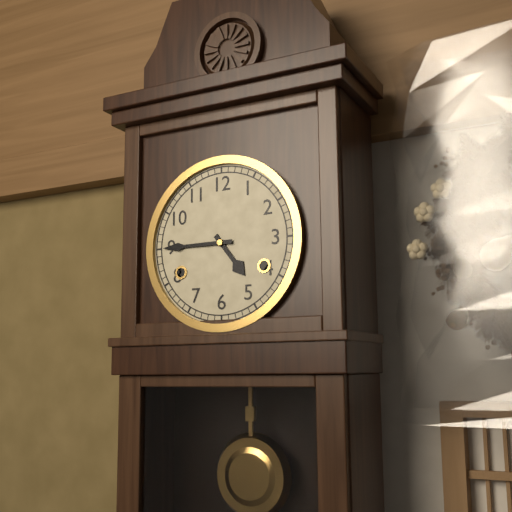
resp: 4,45
